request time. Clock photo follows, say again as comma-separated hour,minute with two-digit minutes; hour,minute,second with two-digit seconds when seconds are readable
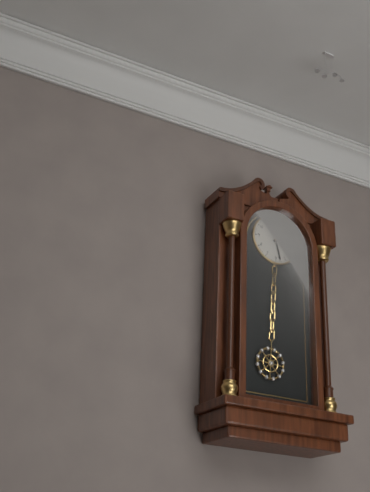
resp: 1,28
